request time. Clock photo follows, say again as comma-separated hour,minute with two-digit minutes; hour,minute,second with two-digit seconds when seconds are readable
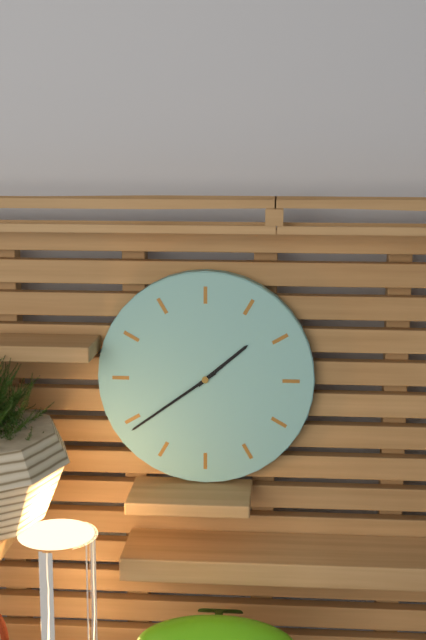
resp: 1,39
